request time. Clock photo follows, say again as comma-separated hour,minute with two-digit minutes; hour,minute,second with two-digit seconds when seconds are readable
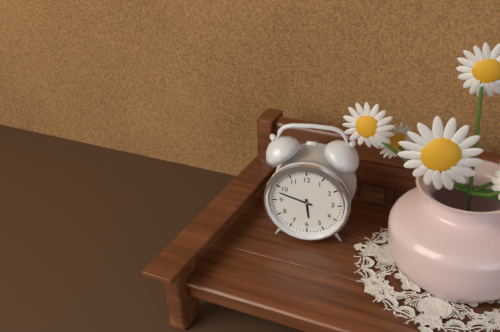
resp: 5,48
